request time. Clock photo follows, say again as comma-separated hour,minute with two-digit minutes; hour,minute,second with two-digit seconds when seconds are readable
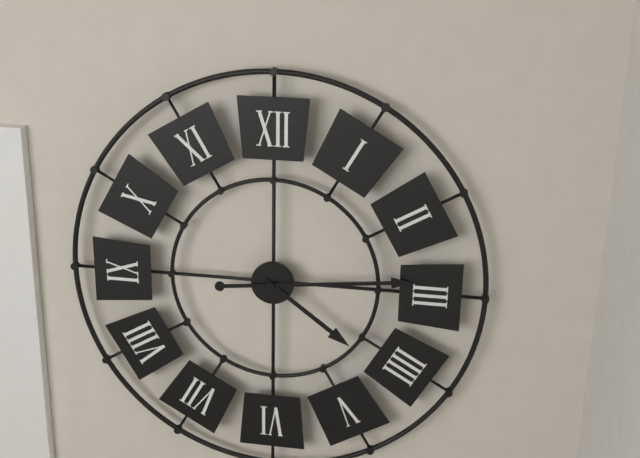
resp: 4,14
